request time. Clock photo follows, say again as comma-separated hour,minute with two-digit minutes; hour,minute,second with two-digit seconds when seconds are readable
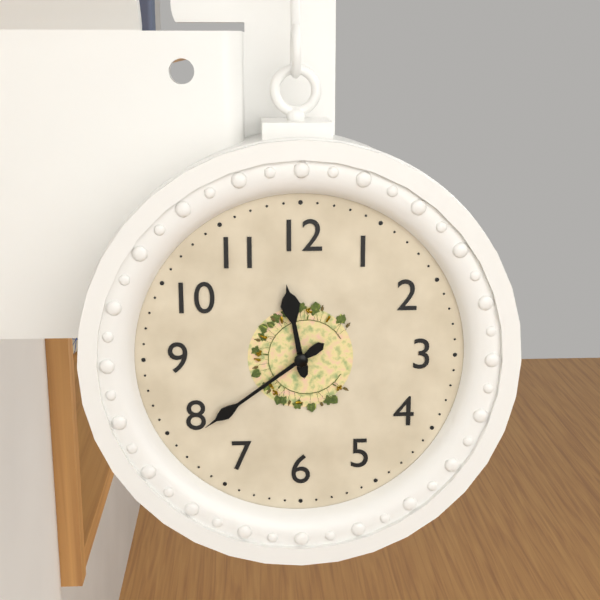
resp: 11,39
